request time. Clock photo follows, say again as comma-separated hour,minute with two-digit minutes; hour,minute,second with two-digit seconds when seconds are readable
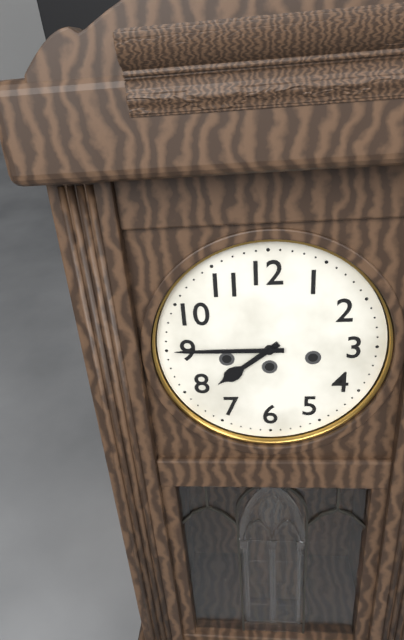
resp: 7,45
